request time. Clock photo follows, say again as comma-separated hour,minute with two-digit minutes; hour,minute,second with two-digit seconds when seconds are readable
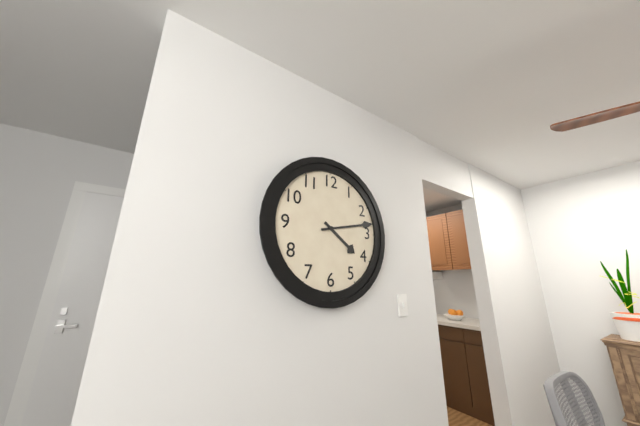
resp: 4,13
